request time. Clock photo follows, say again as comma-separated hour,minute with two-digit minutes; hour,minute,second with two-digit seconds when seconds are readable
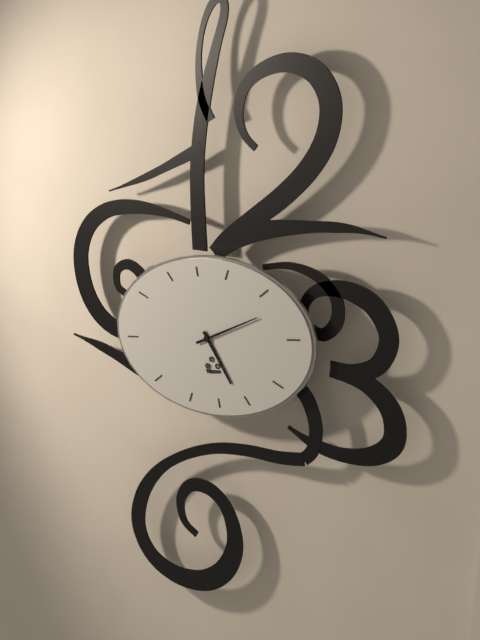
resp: 5,12
